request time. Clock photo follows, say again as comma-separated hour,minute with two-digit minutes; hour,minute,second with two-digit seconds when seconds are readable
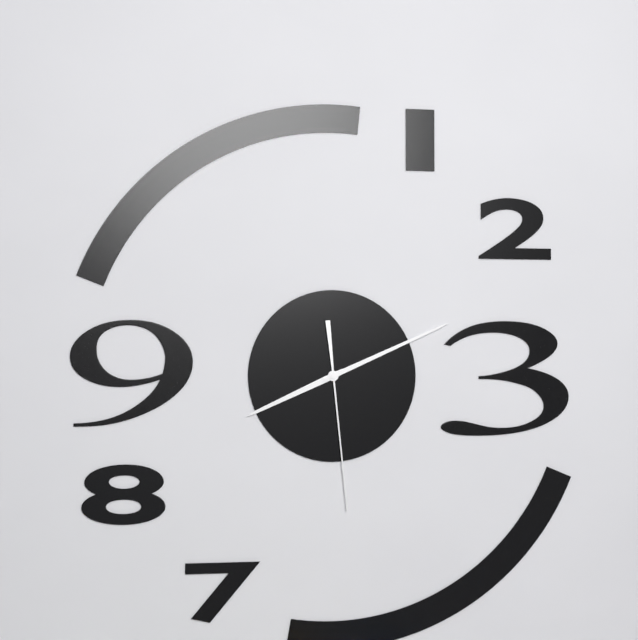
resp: 8,11,29
